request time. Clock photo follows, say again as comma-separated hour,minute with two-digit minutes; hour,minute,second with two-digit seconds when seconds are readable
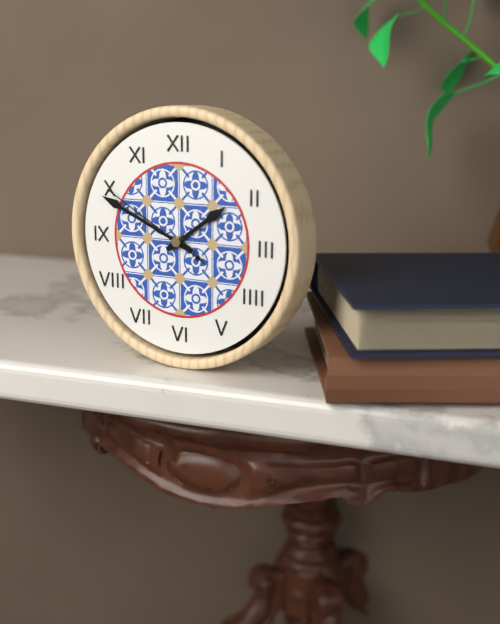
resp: 1,49,50
